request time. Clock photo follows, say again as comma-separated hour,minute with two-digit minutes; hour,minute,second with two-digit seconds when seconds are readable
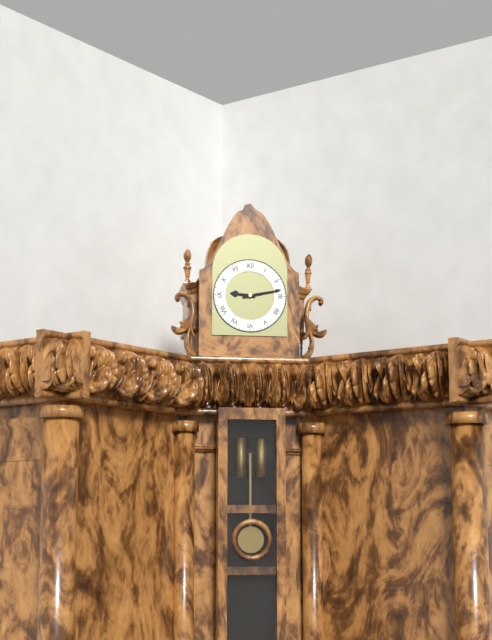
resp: 9,13
